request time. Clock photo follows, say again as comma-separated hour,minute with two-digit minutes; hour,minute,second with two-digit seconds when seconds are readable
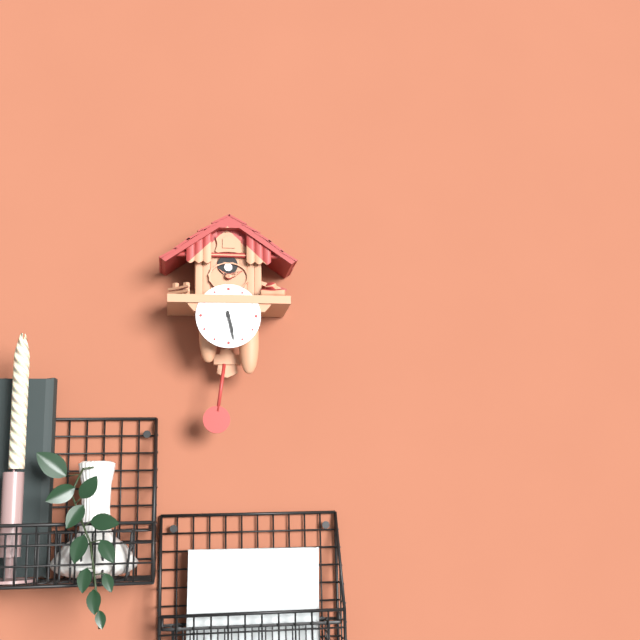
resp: 5,28
